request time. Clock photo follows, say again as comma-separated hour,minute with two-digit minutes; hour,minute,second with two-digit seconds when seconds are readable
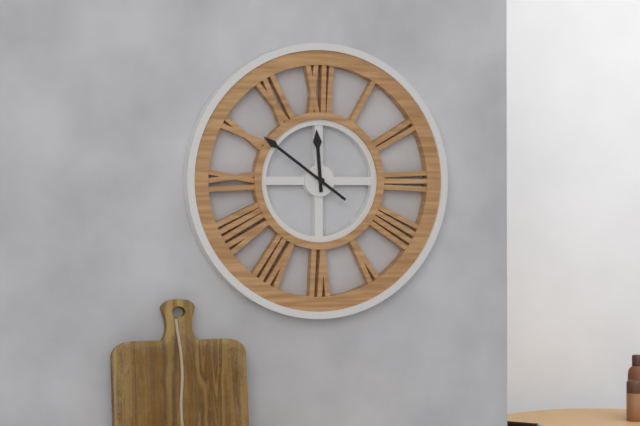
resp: 11,51
